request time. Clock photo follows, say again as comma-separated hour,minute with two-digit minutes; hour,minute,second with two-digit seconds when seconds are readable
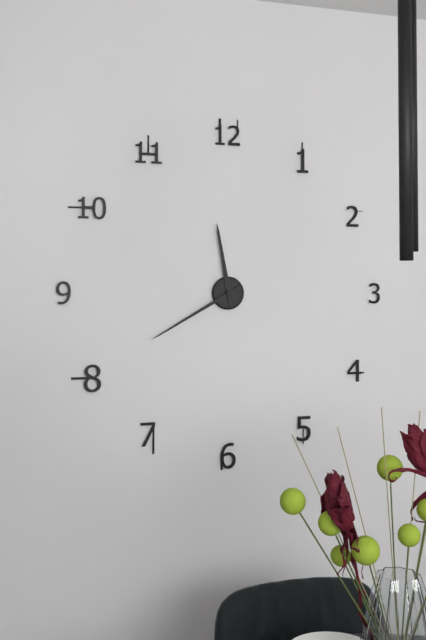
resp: 11,40
